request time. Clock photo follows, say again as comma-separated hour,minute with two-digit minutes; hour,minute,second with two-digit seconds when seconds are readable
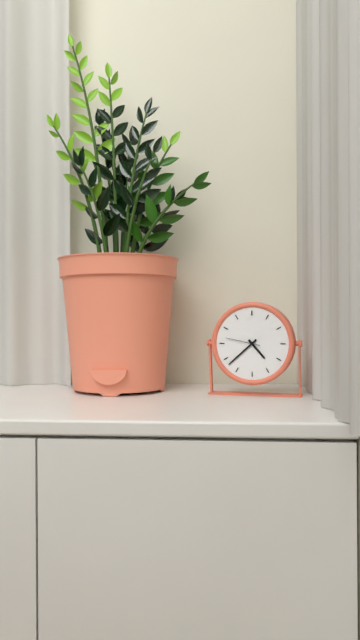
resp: 4,38
